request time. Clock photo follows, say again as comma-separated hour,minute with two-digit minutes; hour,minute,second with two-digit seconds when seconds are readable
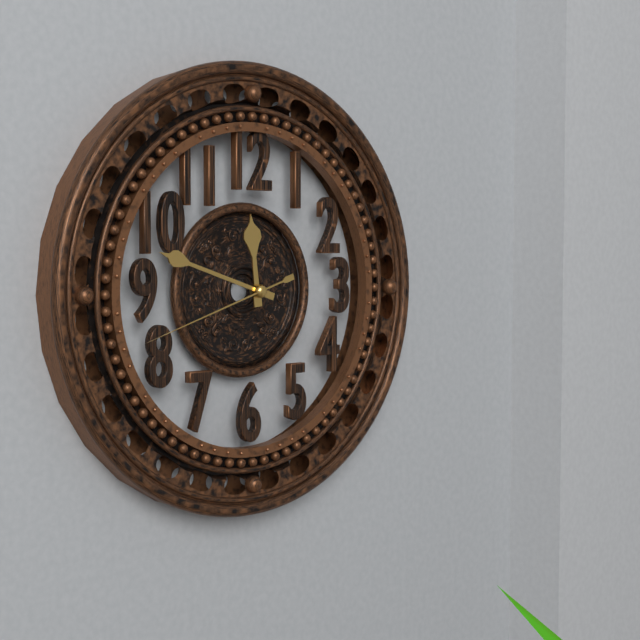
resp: 11,48,42
